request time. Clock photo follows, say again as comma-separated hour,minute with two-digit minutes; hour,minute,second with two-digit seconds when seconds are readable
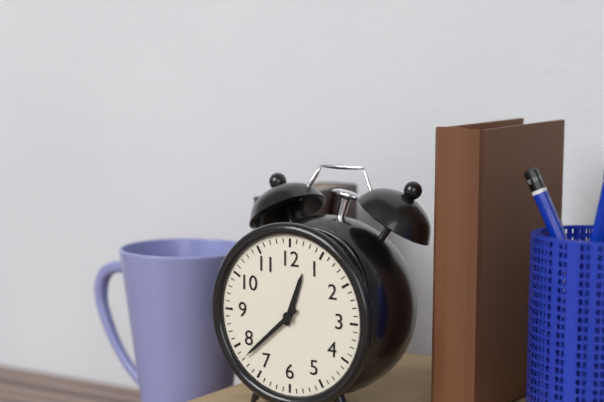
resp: 12,38
